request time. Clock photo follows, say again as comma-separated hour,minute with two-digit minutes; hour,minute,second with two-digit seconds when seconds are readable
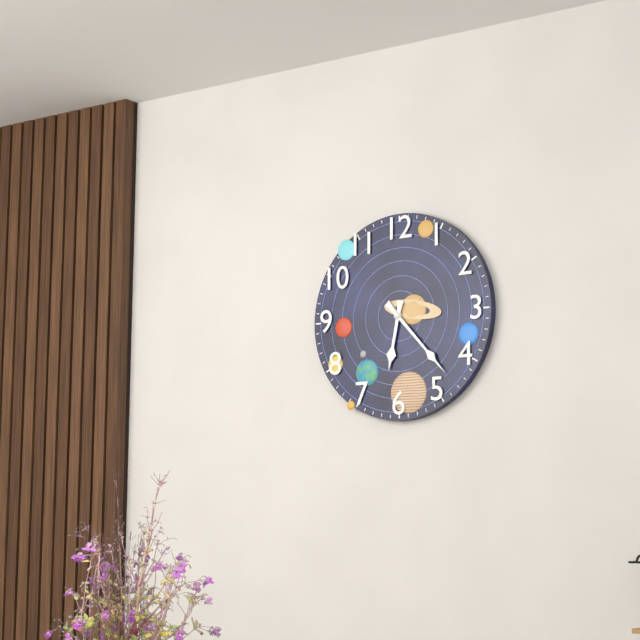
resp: 6,23
